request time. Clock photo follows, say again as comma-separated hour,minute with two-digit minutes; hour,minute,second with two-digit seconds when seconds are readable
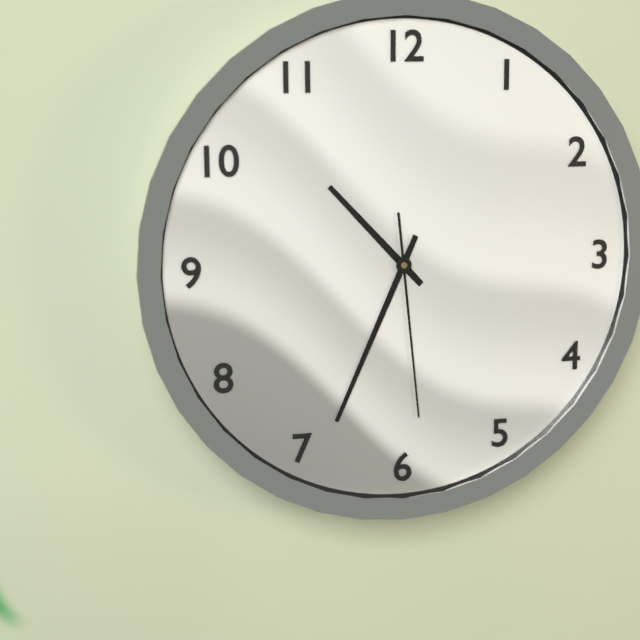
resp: 10,34,29
